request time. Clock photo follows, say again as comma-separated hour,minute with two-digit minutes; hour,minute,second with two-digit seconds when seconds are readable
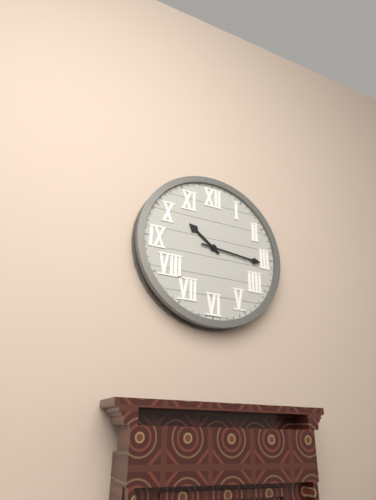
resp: 10,16
